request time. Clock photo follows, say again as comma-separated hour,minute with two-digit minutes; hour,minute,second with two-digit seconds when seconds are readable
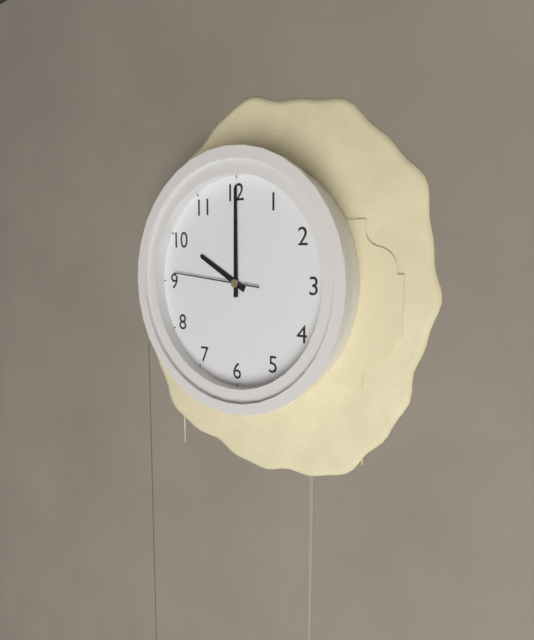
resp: 10,00,46
